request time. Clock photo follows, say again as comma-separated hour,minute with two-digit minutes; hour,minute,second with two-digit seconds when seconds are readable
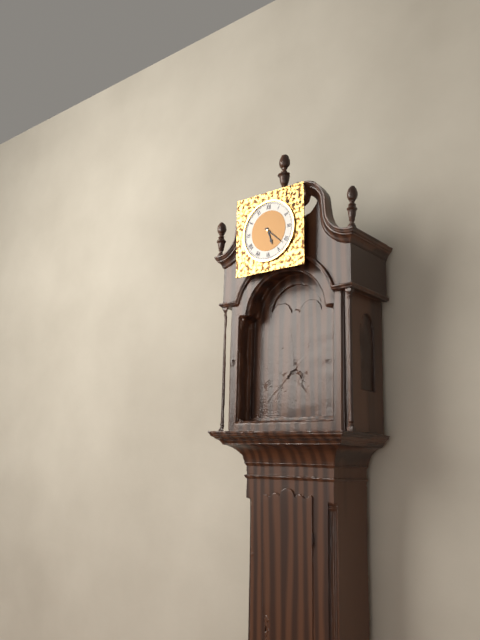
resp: 5,22
